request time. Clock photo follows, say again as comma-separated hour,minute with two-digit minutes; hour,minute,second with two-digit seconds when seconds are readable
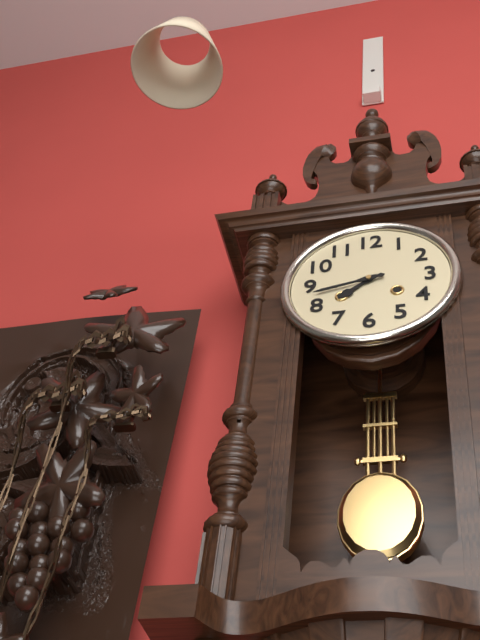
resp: 7,43
